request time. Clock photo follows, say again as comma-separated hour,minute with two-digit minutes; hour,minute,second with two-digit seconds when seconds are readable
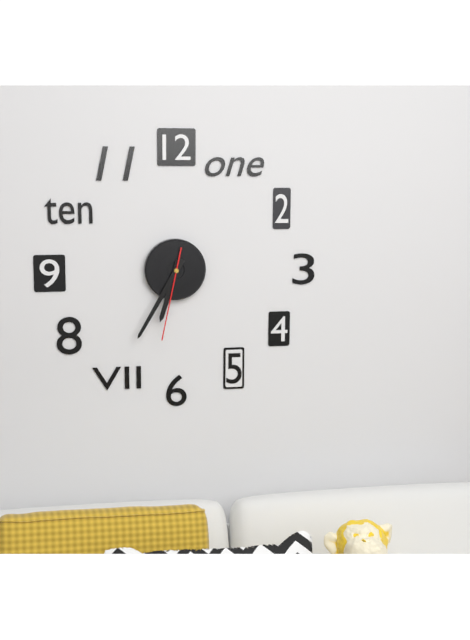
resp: 6,35,32
